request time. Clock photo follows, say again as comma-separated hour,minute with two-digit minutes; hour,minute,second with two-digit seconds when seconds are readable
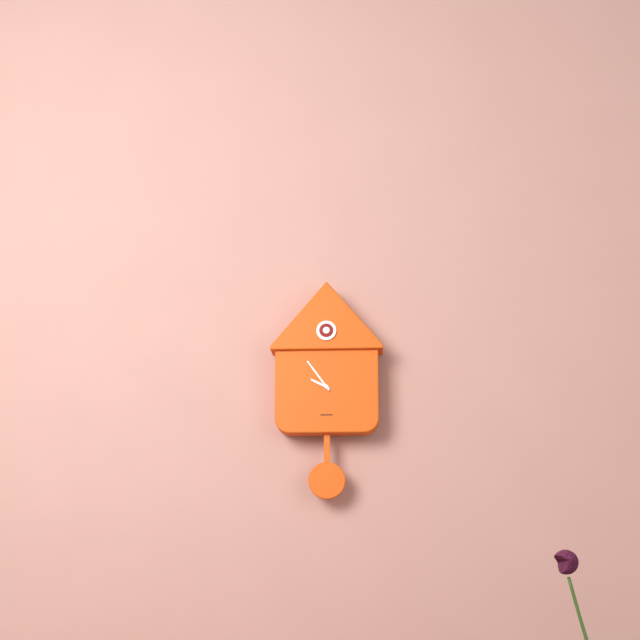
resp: 9,54
